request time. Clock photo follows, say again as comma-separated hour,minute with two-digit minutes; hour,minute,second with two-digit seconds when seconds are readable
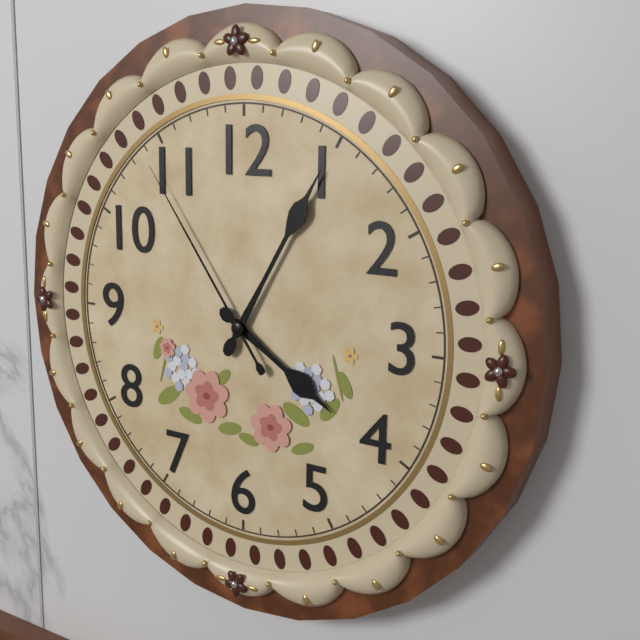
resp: 4,05,54
